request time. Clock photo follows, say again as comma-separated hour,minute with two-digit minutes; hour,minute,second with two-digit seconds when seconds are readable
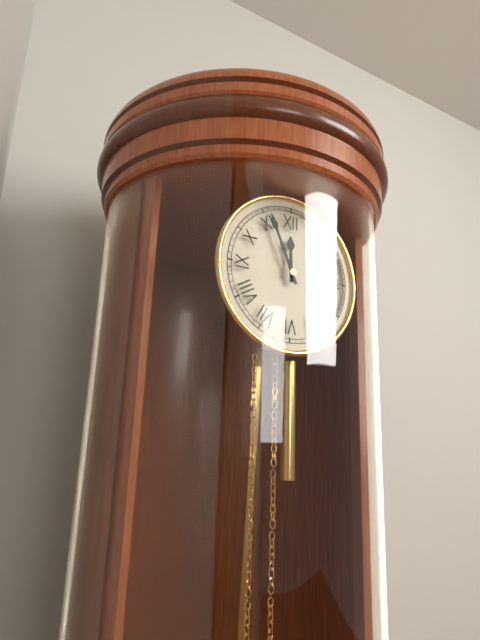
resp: 11,56
